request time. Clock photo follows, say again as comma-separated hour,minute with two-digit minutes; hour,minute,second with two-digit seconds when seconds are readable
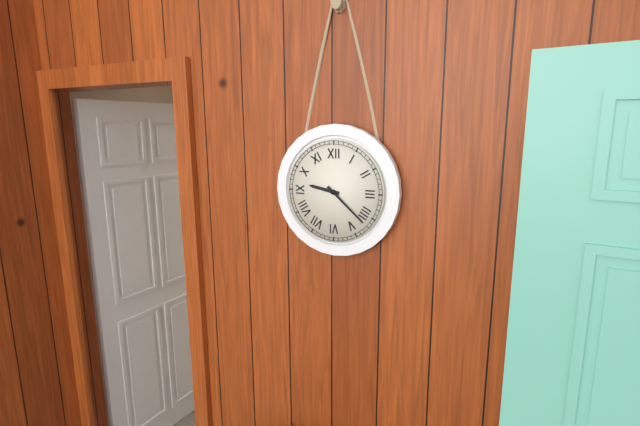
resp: 9,22
